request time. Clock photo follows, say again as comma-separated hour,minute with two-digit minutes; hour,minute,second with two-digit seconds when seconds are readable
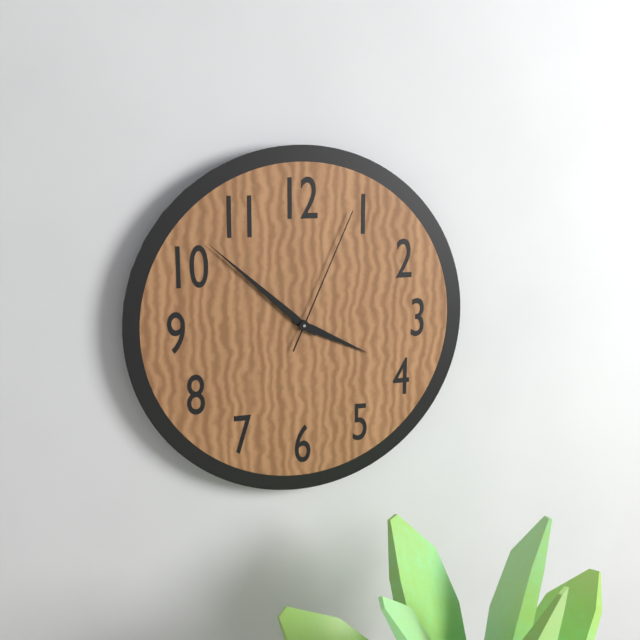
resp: 3,52,04
